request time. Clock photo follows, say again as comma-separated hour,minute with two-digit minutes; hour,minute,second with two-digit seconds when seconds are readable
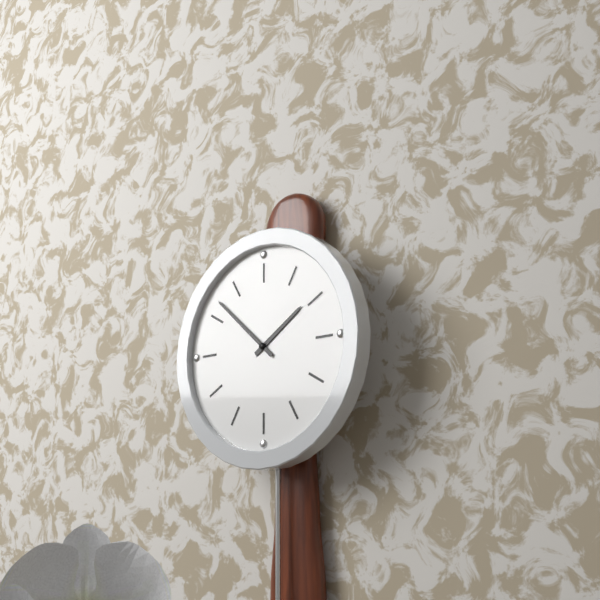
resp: 1,52
